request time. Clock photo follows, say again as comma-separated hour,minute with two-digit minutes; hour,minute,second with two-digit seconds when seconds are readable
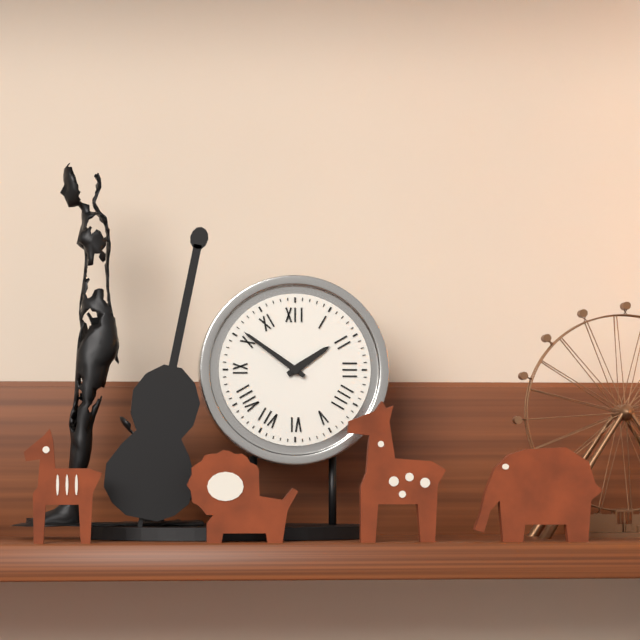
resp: 1,51
